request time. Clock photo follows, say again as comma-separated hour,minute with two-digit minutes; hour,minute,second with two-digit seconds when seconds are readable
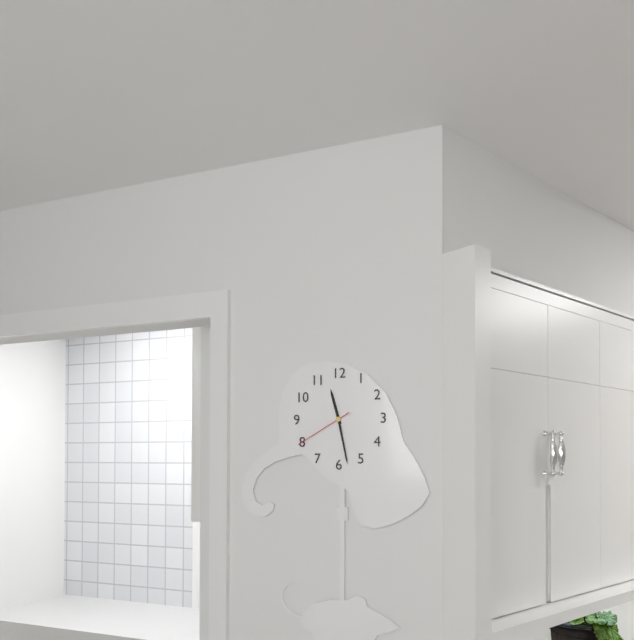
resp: 11,28,40
